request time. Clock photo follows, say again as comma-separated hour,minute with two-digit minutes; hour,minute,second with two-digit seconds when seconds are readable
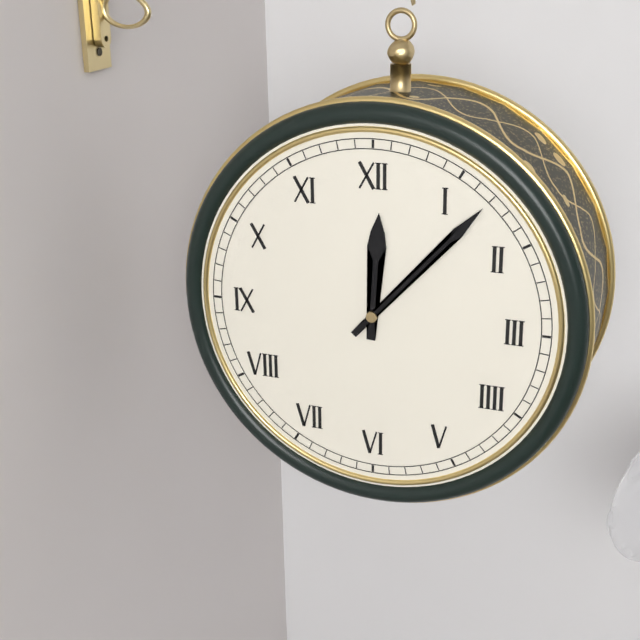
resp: 12,07
